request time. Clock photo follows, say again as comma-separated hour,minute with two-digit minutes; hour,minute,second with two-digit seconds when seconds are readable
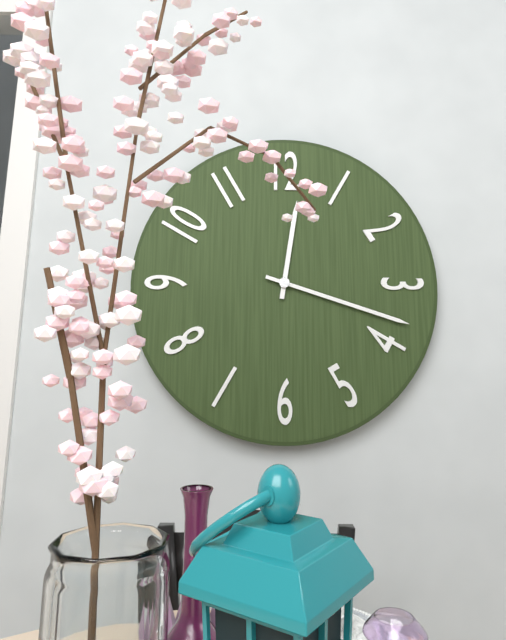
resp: 12,18
